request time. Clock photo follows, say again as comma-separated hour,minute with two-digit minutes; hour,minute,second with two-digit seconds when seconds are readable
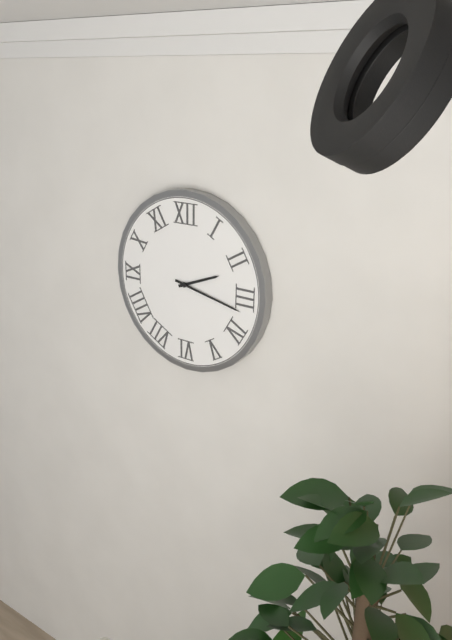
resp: 2,17
